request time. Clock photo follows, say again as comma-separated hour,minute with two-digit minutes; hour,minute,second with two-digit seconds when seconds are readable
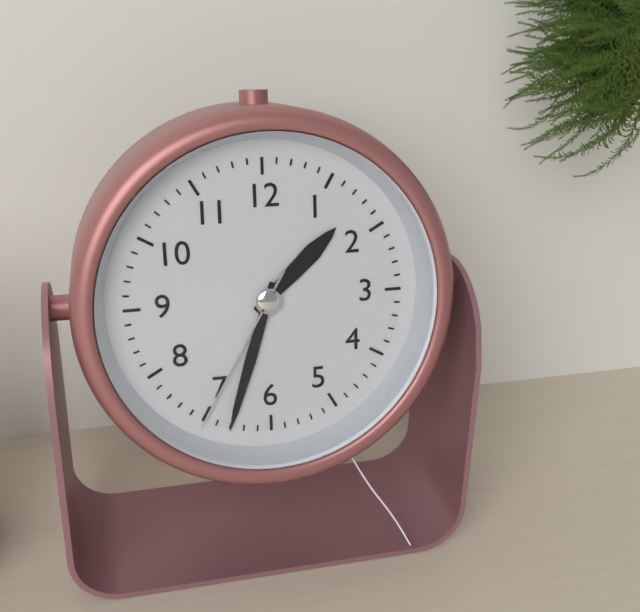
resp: 1,33,35
